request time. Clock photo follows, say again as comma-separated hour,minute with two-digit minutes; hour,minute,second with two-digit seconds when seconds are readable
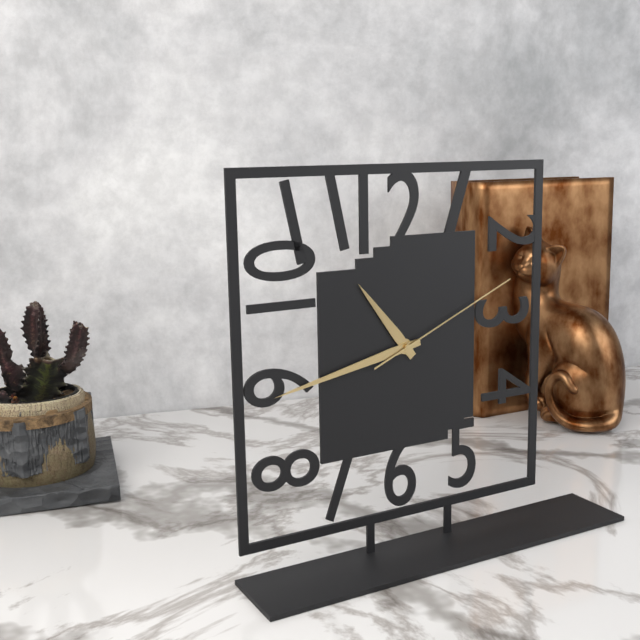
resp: 10,43,11
